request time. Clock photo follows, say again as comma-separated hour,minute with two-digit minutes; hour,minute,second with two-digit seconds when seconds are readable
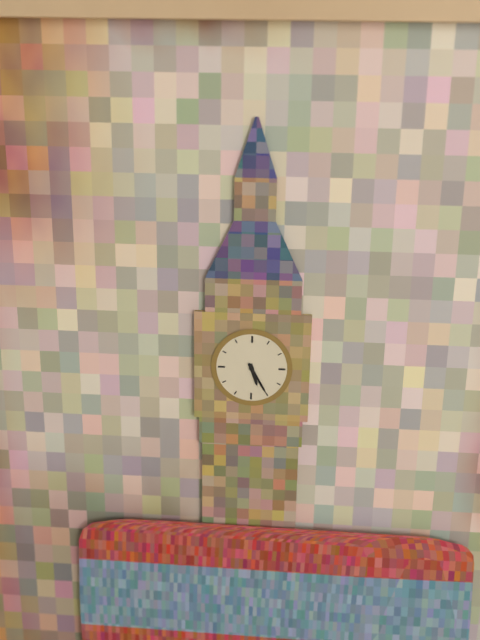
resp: 5,25
